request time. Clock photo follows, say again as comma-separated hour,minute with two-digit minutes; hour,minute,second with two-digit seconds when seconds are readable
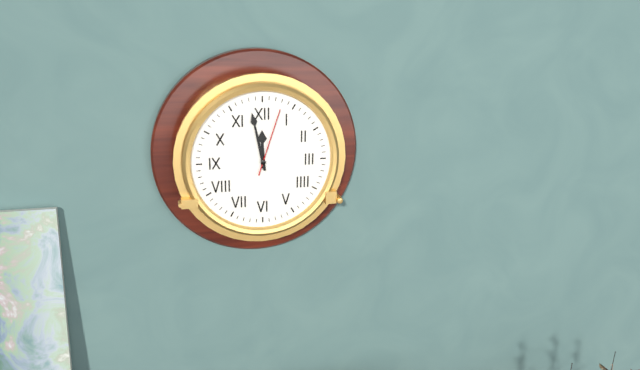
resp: 11,58,03
